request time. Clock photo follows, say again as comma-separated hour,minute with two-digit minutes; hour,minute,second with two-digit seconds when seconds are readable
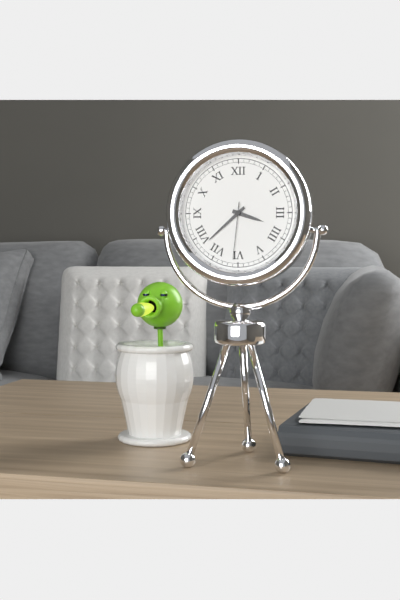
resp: 3,38,31
